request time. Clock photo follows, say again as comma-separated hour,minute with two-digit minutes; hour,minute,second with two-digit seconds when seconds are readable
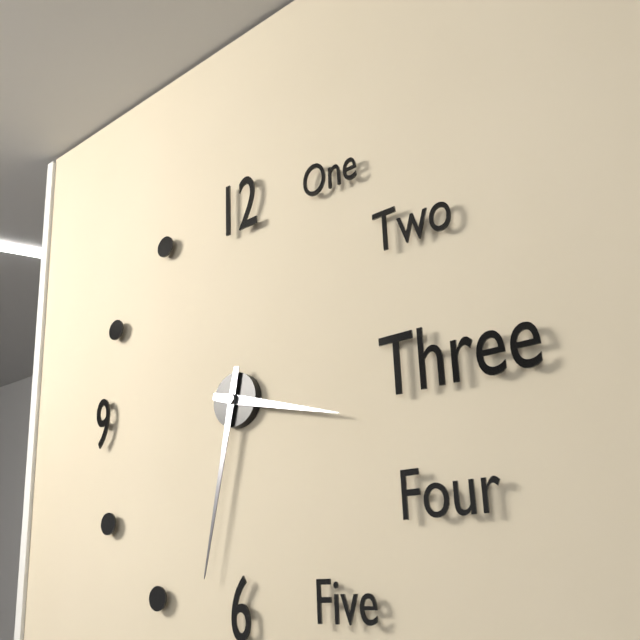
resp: 3,32
